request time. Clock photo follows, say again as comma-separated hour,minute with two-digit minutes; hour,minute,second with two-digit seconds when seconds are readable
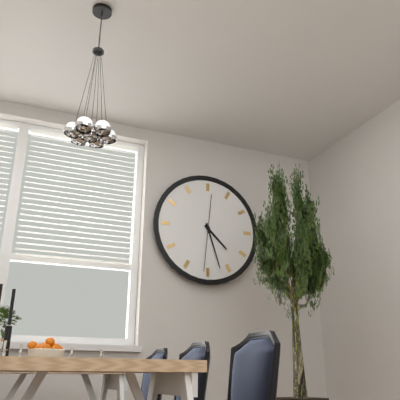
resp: 4,27,31
